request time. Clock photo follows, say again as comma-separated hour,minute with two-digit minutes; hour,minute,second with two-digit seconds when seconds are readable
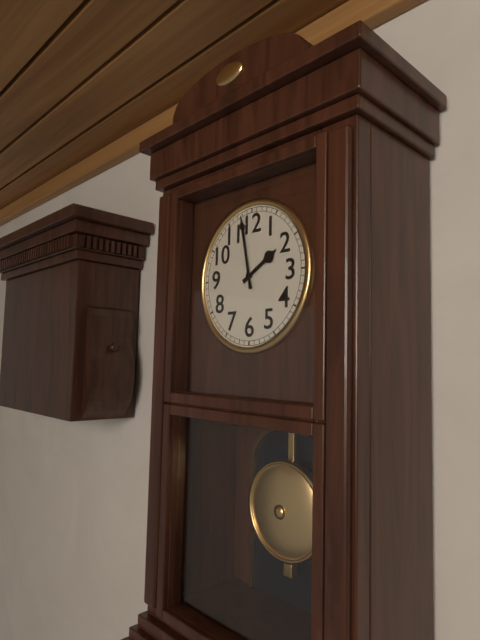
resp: 1,58
